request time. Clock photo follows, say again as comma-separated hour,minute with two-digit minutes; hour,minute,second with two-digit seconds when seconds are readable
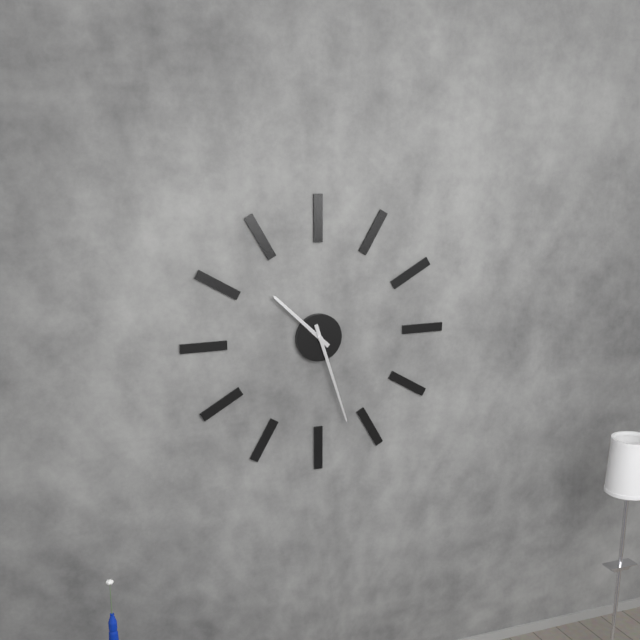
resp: 10,27
